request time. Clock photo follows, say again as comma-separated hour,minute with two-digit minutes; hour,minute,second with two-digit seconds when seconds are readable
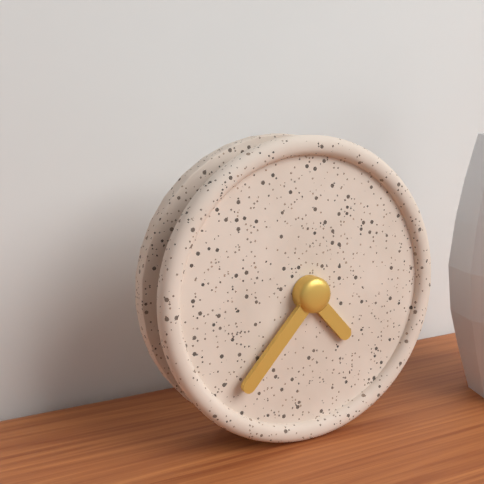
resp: 4,37
